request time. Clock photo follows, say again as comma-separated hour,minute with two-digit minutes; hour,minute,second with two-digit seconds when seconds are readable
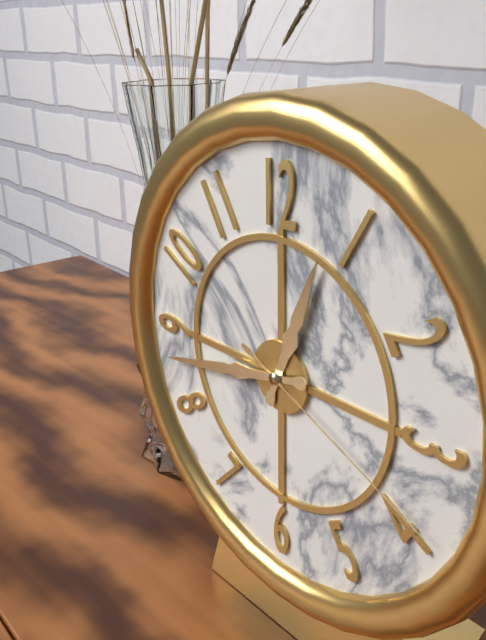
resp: 12,43,19
